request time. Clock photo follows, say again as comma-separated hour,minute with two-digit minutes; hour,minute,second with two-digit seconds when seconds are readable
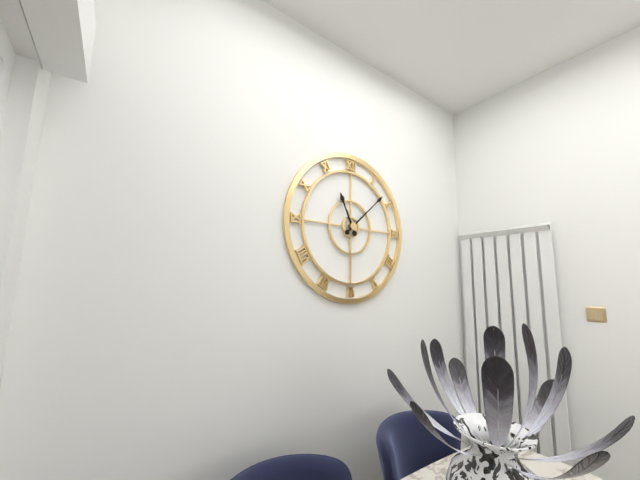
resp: 11,08
